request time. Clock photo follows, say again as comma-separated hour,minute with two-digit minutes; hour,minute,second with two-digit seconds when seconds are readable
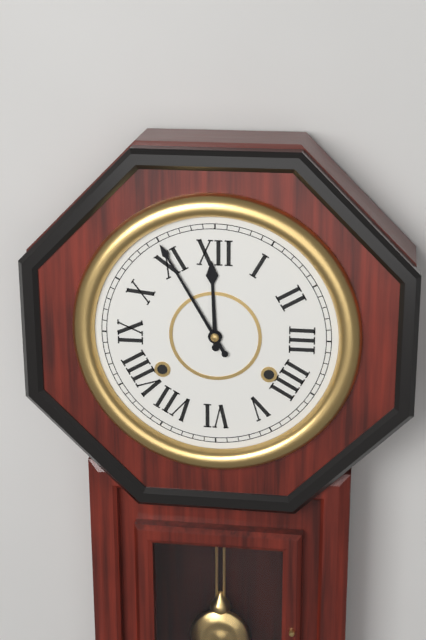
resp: 11,55
